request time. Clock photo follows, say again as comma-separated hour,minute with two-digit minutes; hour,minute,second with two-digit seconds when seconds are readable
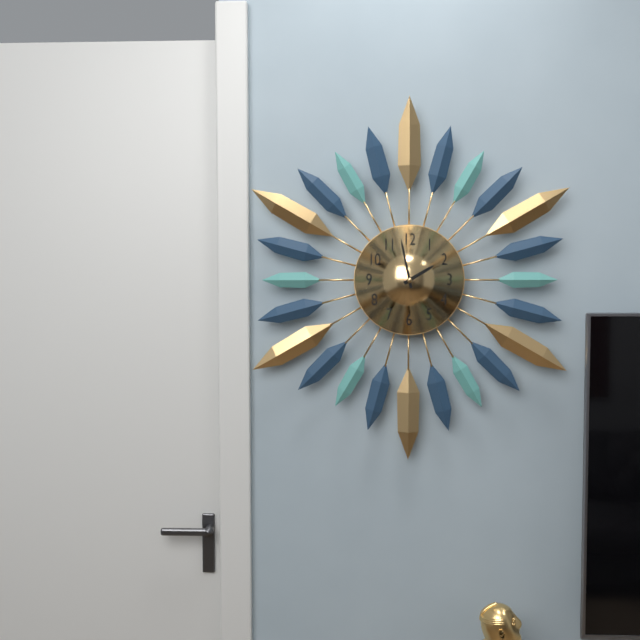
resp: 1,58
